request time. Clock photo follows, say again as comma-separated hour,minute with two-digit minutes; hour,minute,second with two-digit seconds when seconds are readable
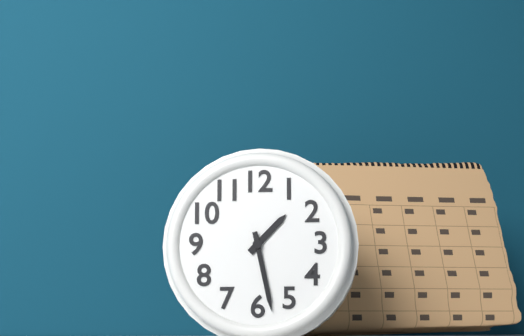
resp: 1,28
